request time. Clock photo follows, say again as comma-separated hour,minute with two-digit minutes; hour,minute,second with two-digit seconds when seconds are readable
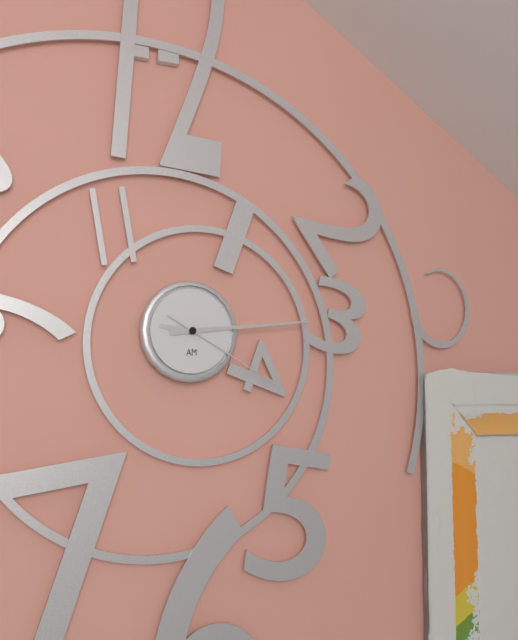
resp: 9,14,20
